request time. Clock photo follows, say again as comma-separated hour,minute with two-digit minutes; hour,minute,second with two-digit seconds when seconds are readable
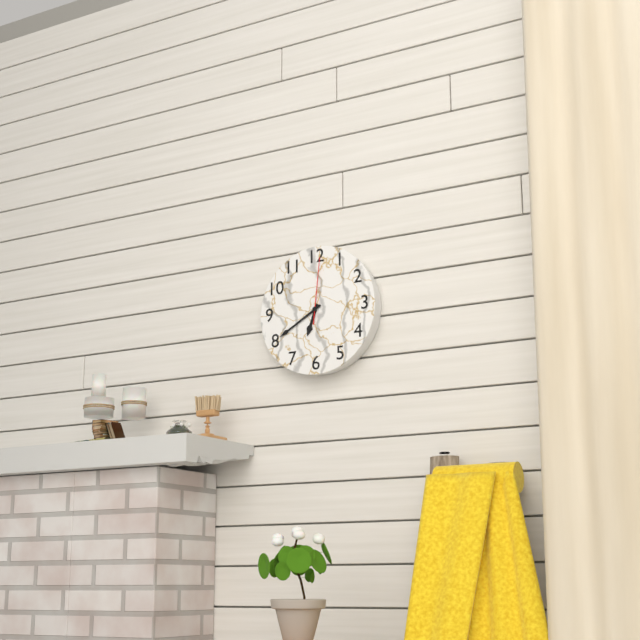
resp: 6,40,01
